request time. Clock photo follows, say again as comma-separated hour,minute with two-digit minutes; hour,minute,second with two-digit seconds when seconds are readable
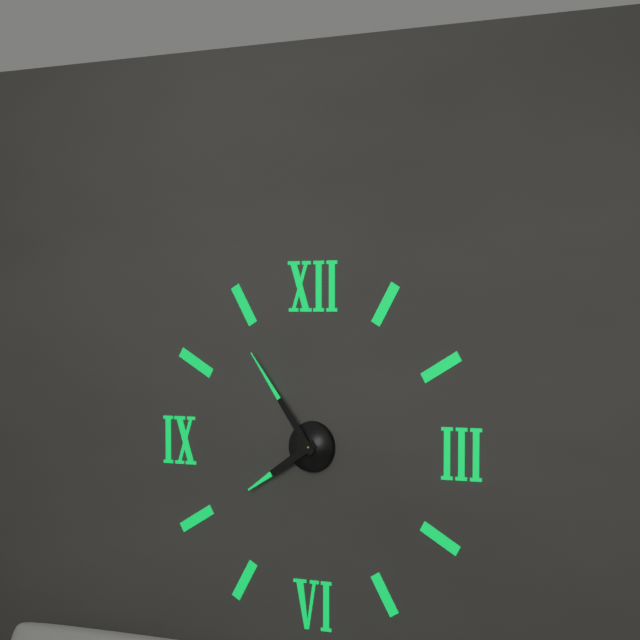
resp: 7,54
